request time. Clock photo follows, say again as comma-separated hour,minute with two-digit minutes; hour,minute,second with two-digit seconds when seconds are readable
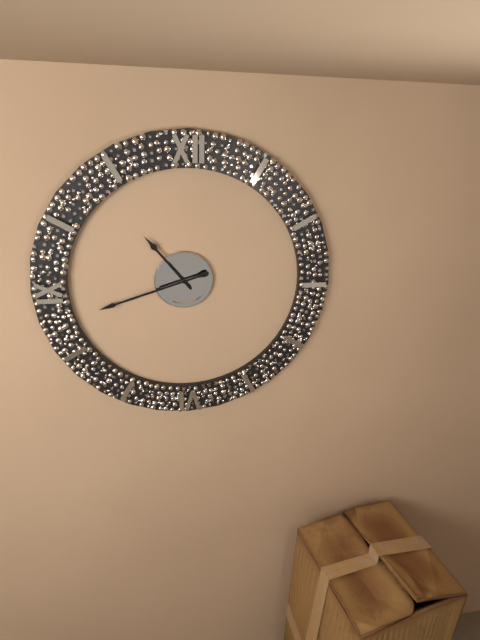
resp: 10,42
